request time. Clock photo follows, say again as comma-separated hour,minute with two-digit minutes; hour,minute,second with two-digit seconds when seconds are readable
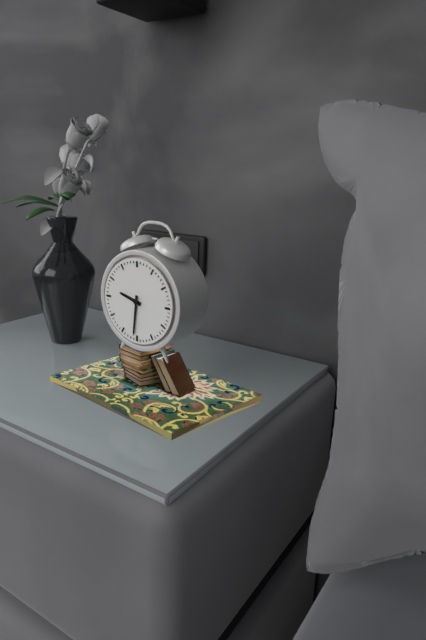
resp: 9,31
